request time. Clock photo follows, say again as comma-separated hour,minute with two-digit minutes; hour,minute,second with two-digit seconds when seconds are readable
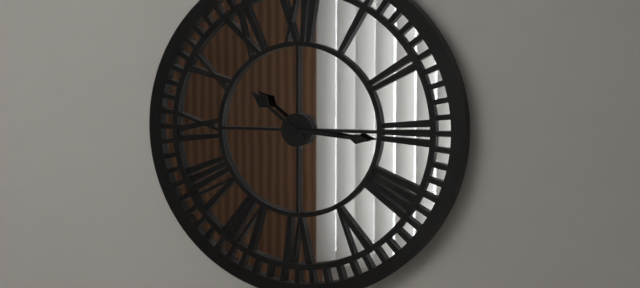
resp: 10,16
